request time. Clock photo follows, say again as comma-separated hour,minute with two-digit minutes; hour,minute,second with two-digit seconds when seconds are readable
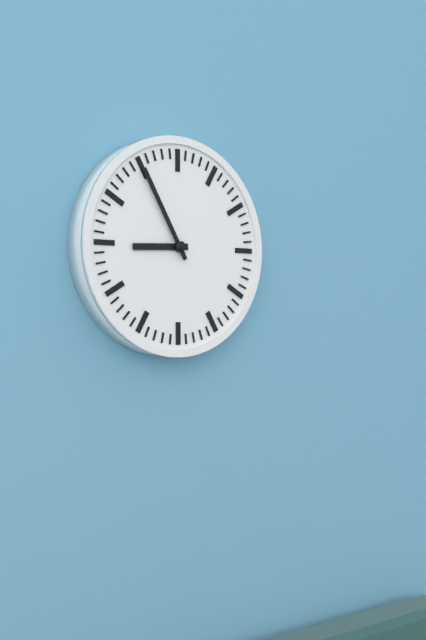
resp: 8,55
